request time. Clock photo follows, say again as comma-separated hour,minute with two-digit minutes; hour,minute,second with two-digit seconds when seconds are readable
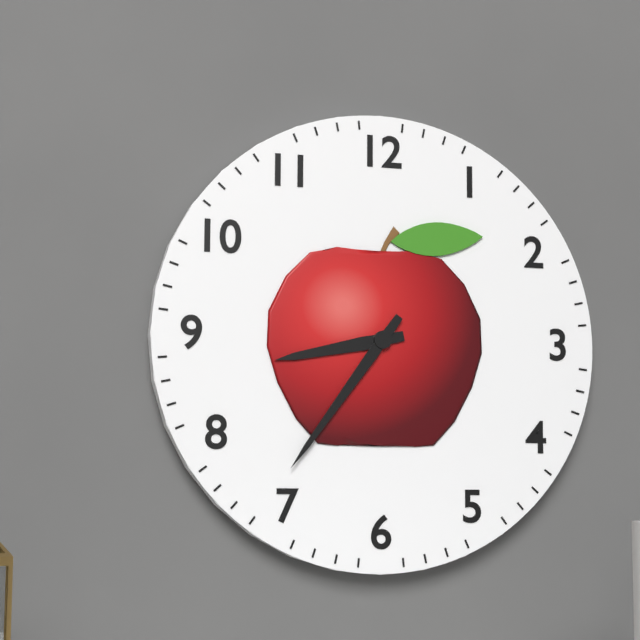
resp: 8,36
